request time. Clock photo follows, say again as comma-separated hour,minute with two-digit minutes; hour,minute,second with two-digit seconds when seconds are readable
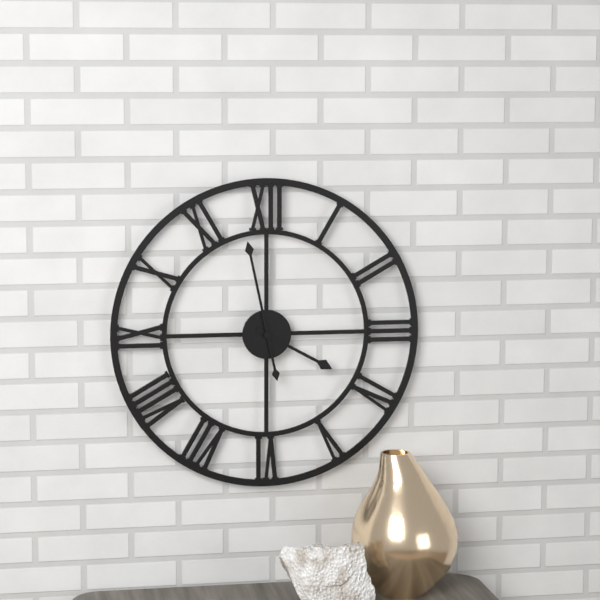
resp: 3,58
